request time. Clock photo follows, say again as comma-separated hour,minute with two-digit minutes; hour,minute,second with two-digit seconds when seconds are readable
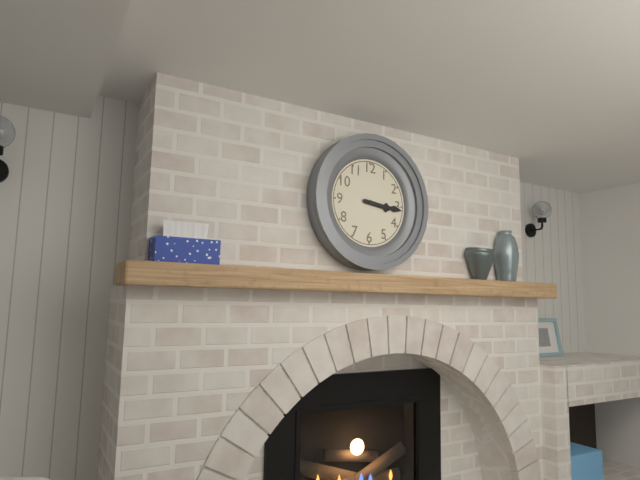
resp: 3,16
